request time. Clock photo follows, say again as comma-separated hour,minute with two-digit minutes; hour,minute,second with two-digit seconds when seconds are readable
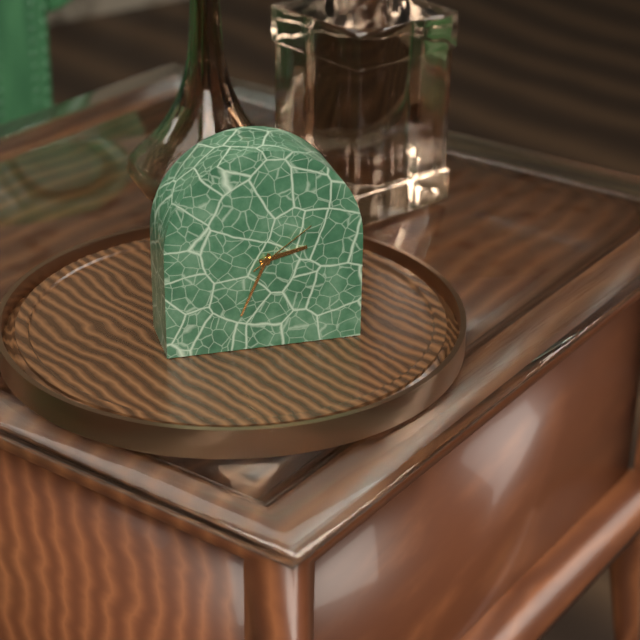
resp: 2,34,09
